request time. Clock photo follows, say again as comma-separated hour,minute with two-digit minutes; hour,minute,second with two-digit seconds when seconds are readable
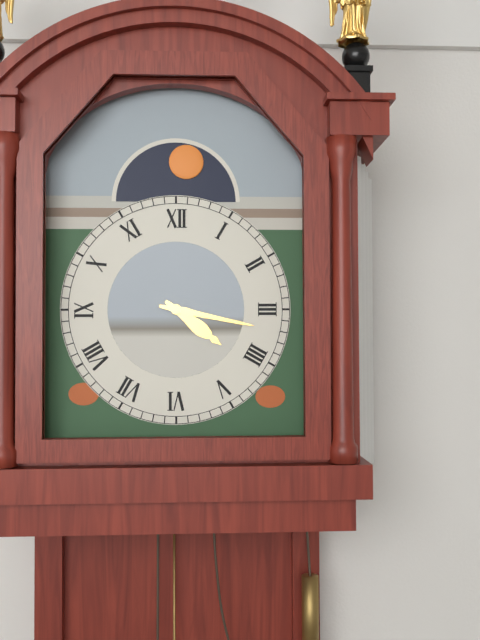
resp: 4,17
